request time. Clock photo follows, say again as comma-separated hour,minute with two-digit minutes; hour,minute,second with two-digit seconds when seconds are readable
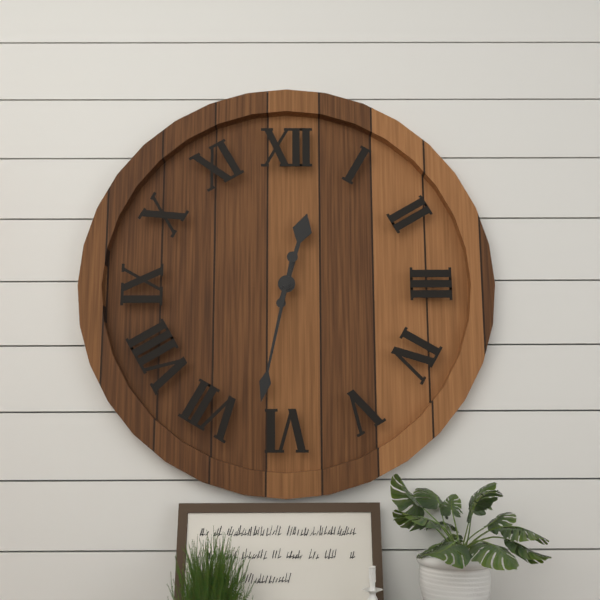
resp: 12,32
